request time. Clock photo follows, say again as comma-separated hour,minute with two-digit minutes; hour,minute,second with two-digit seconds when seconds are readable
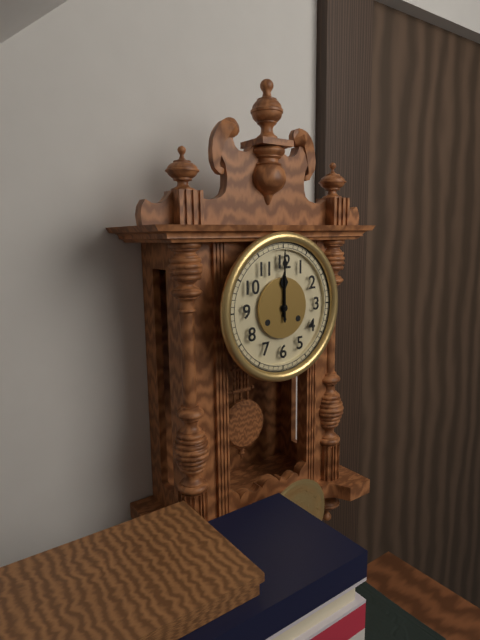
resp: 12,00
